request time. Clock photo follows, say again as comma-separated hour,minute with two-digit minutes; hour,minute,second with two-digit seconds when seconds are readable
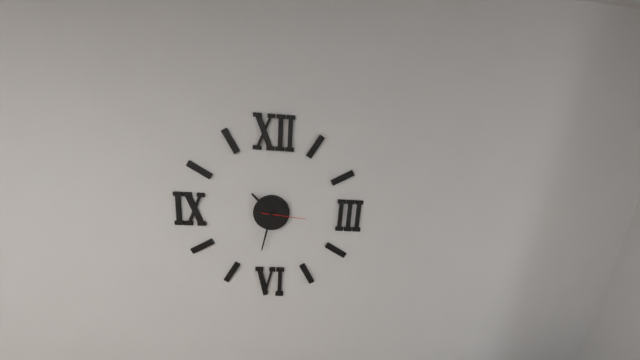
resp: 10,32
